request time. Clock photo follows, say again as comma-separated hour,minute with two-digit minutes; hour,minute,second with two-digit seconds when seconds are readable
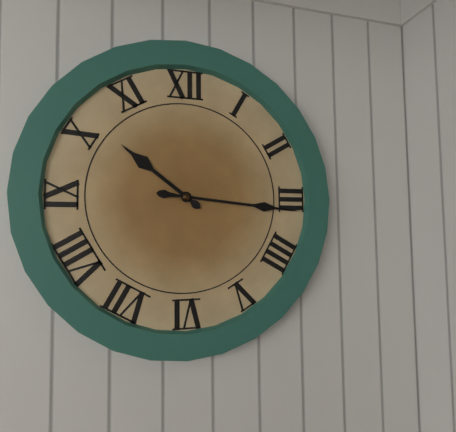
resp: 10,16
